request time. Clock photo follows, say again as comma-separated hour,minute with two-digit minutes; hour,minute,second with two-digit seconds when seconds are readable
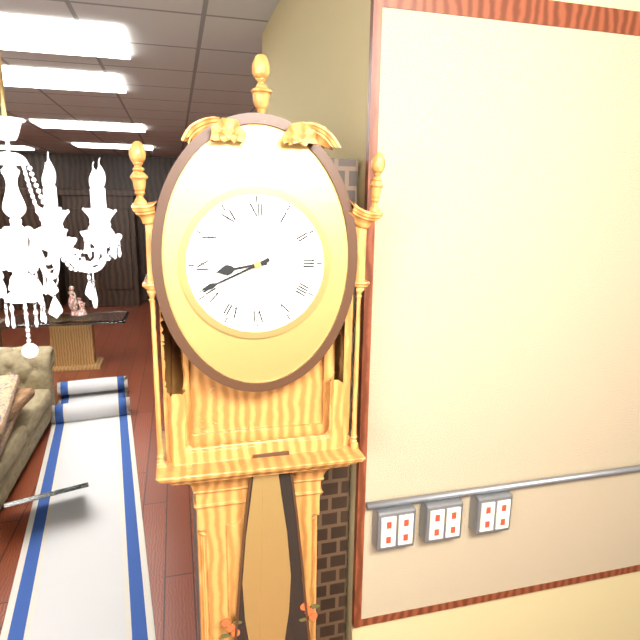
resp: 8,41
